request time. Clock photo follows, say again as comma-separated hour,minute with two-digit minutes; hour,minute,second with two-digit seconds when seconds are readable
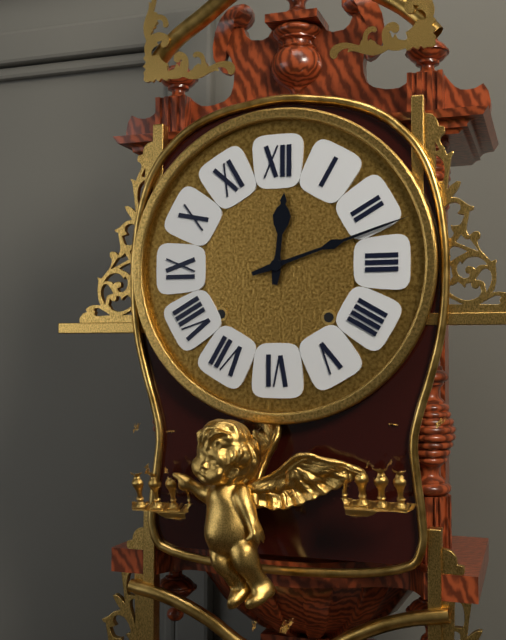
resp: 12,12
